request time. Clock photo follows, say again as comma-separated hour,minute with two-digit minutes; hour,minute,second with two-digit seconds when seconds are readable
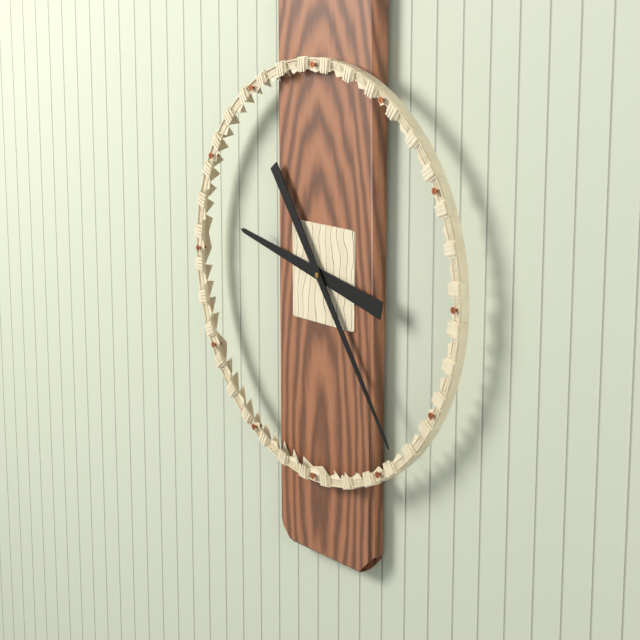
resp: 9,24
